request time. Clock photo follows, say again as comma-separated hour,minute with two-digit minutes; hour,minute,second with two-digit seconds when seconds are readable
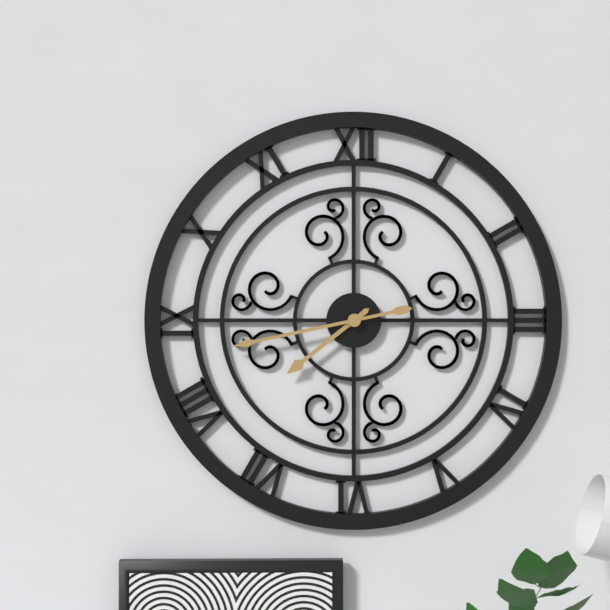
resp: 7,43
